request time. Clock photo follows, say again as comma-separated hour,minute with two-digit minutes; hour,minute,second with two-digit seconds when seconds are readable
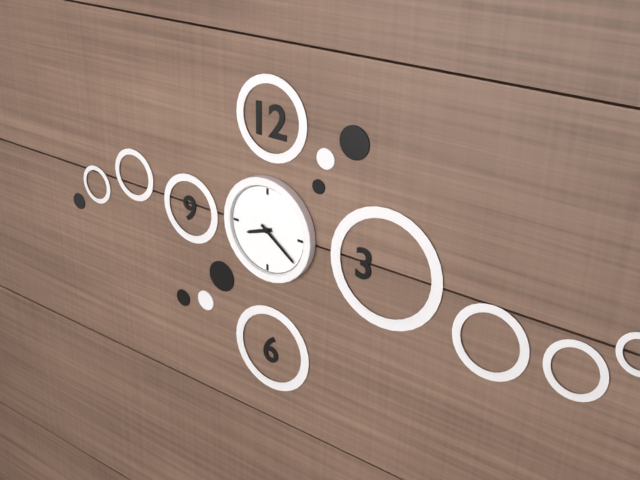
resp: 8,21
